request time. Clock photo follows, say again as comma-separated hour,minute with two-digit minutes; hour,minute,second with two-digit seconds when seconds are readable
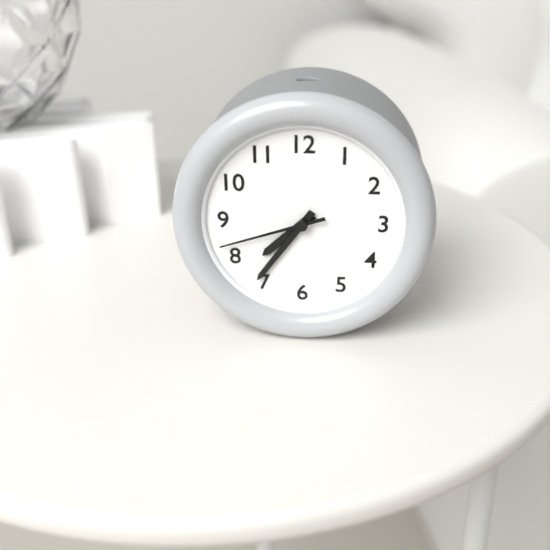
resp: 7,36,42
